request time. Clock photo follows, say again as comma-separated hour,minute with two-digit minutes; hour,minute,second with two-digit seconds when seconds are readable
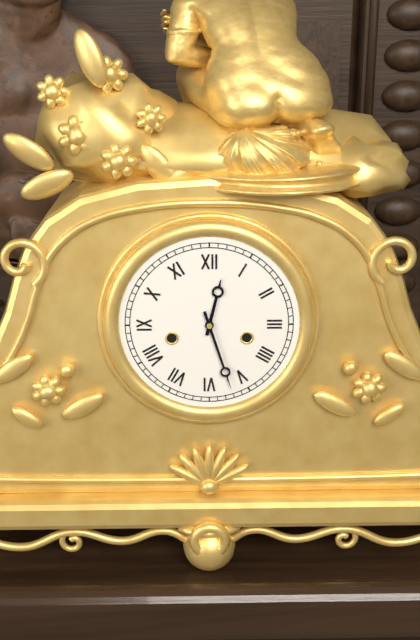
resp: 12,27
